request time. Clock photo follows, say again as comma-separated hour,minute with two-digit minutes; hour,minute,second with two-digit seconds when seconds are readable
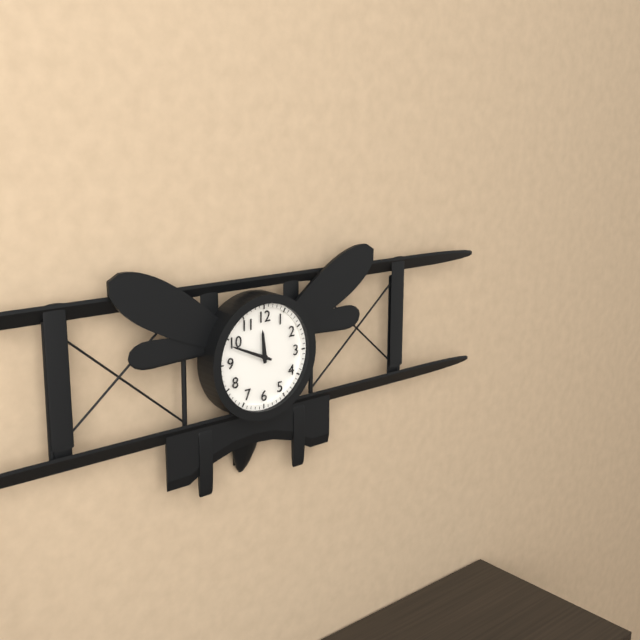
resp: 11,49
